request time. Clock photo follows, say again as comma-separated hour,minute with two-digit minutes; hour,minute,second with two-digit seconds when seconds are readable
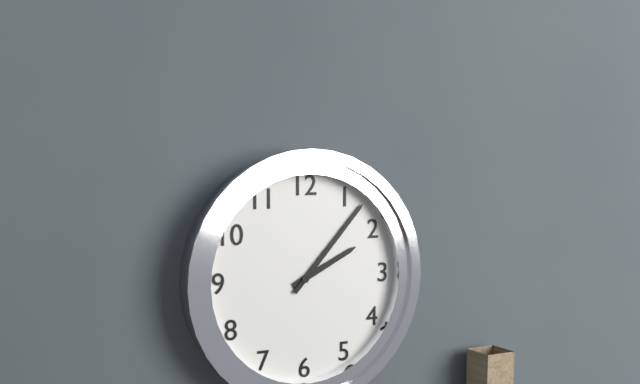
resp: 2,07
